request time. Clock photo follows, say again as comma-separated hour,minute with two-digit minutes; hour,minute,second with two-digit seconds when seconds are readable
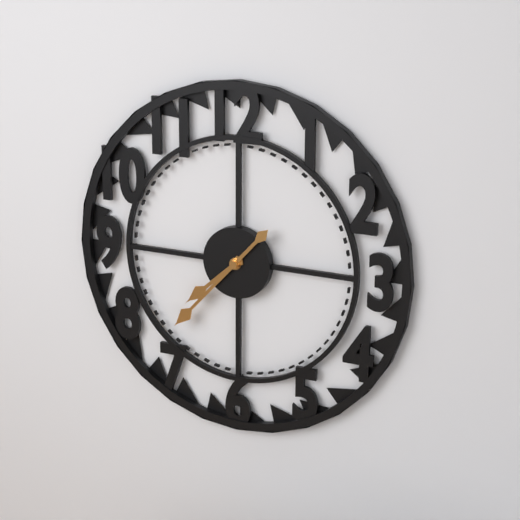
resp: 7,37
